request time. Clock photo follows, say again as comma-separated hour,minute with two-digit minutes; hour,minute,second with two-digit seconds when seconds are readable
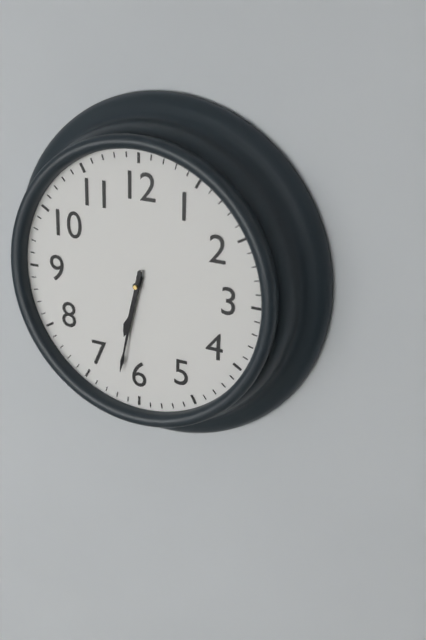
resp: 6,32
